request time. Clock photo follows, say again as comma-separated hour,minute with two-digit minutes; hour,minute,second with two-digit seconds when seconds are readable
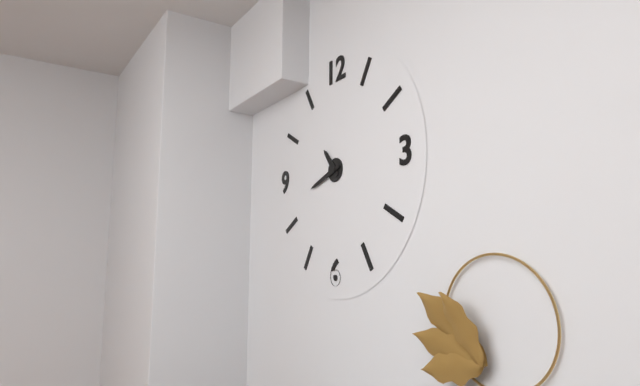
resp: 10,42
